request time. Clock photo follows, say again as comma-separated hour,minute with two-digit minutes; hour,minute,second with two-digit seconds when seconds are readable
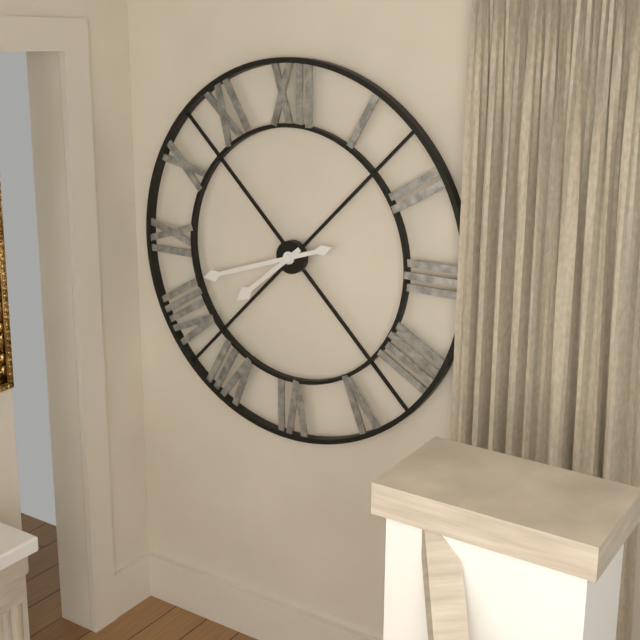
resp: 7,42
